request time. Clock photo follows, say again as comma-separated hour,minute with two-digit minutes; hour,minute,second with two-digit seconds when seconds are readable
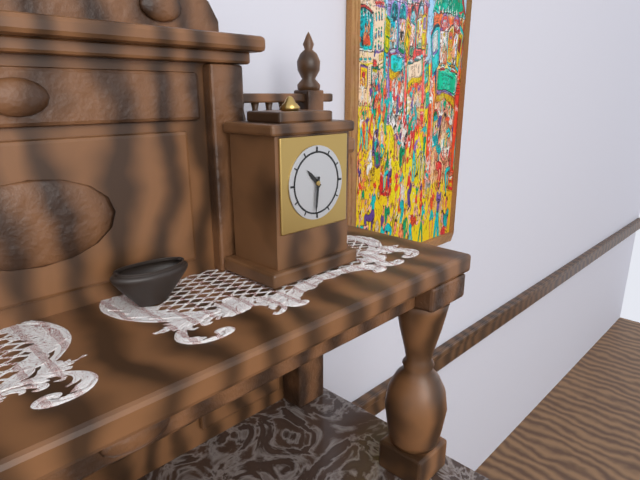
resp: 10,31
